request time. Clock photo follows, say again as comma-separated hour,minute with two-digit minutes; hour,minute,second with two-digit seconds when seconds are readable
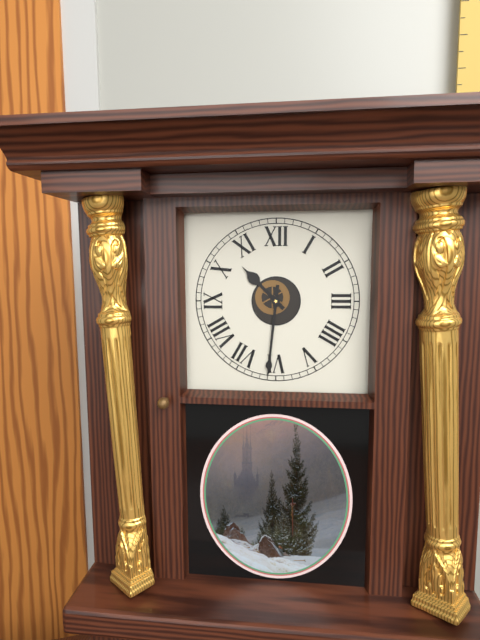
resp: 10,31
